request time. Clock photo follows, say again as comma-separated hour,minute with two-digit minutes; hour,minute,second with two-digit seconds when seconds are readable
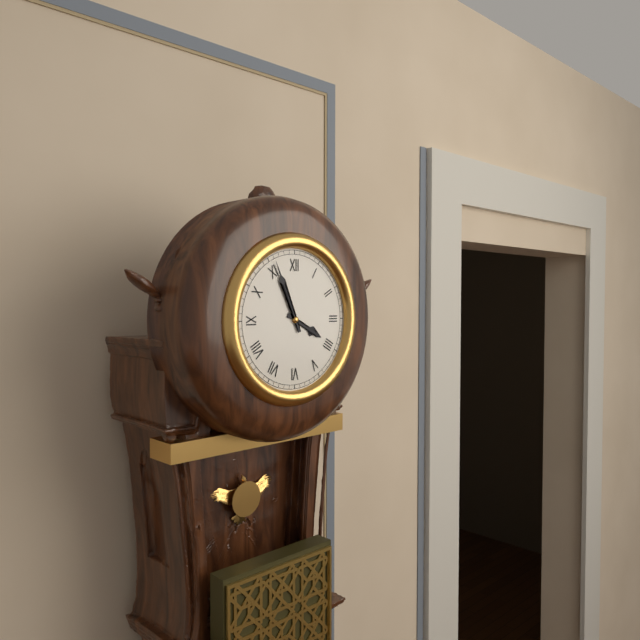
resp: 3,56
